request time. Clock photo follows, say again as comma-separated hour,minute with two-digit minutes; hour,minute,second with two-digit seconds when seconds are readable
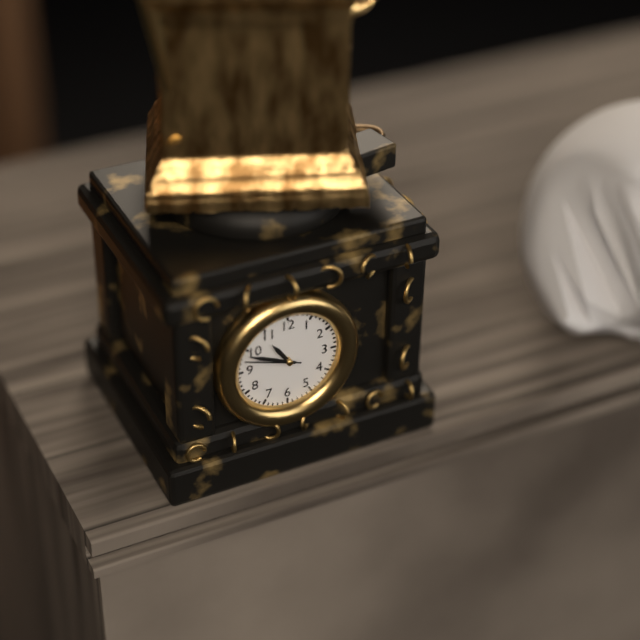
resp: 10,49
